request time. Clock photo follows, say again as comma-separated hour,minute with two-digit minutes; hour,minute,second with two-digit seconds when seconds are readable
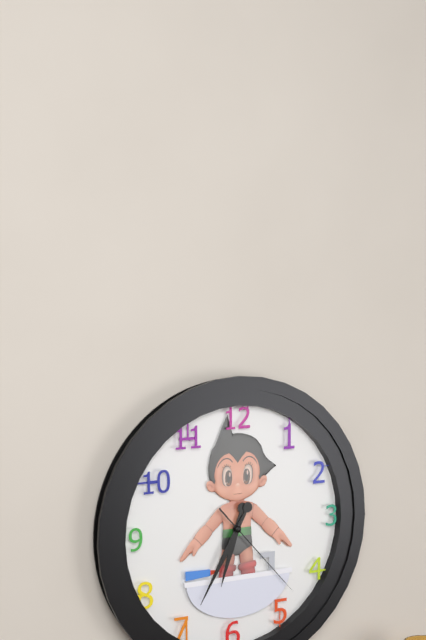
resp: 6,35,23
